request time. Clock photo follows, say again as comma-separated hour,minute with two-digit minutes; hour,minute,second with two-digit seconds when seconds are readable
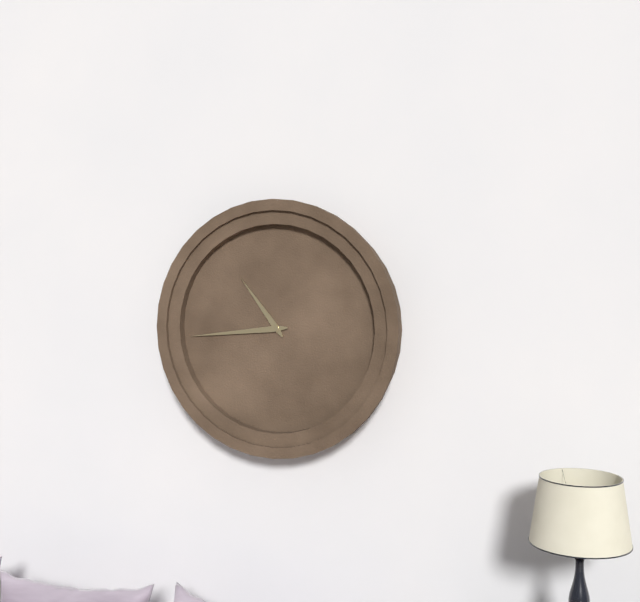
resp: 10,44
